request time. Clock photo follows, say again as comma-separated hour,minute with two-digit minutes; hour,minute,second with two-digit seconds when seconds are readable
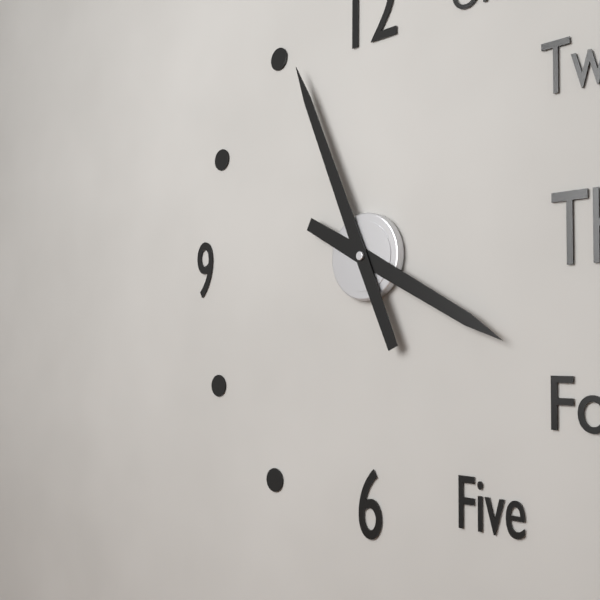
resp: 3,56
